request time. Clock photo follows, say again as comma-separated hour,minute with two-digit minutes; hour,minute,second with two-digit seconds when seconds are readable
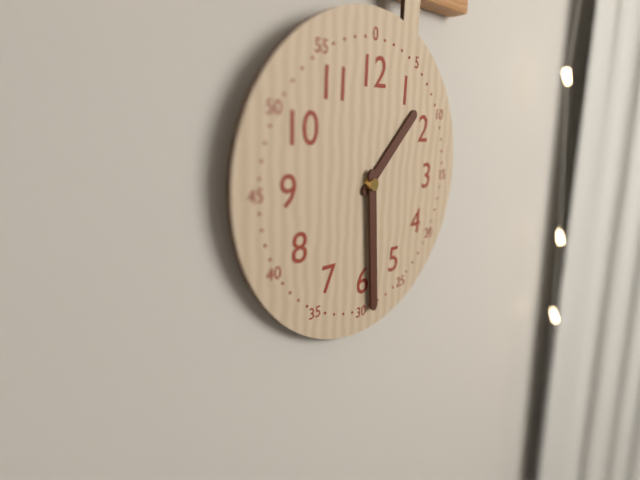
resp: 1,29
